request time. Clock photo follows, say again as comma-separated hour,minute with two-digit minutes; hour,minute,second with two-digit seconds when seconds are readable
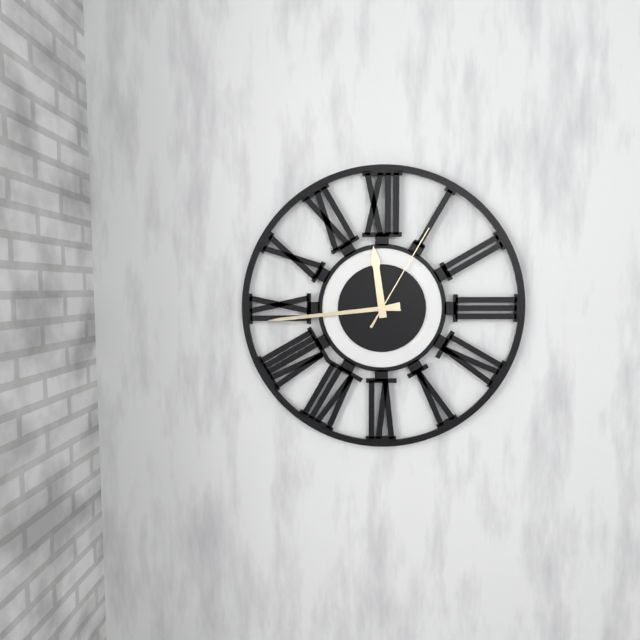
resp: 11,44,05
